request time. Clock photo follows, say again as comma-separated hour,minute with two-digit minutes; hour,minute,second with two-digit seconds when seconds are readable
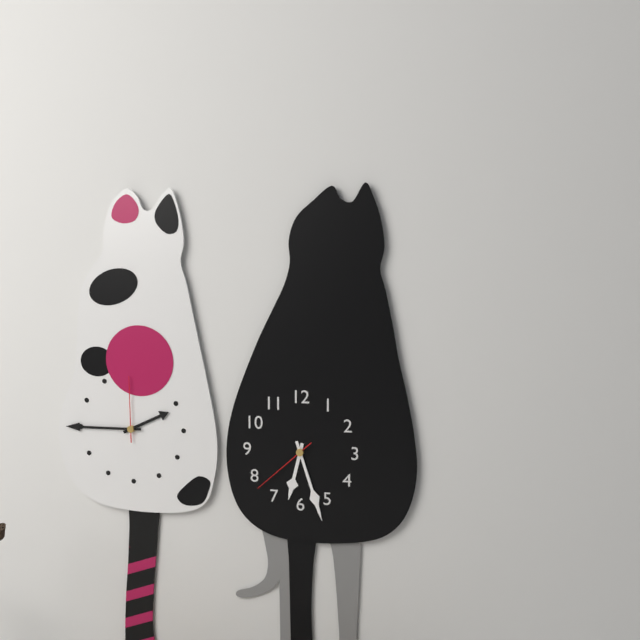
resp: 6,27,38
